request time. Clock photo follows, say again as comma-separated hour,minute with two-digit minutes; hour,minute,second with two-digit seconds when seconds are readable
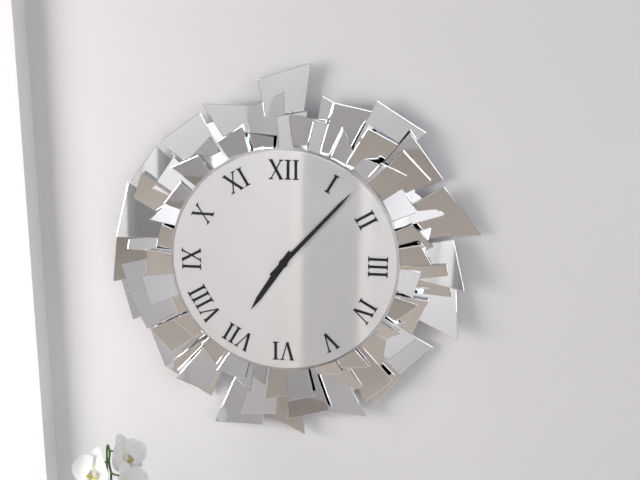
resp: 7,07
